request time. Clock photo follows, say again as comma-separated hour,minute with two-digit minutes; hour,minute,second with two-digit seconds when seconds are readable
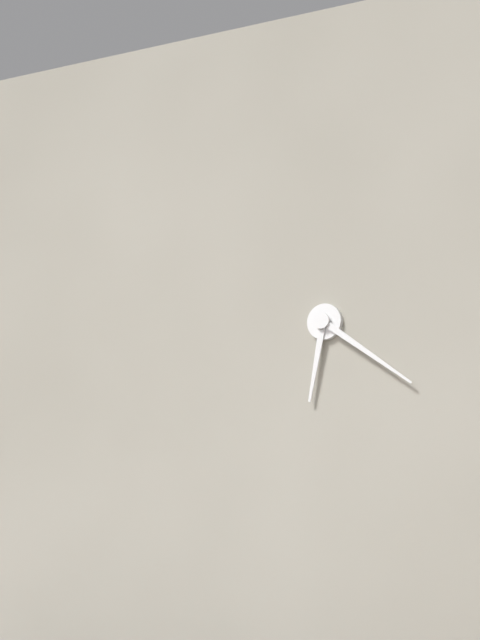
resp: 6,21
